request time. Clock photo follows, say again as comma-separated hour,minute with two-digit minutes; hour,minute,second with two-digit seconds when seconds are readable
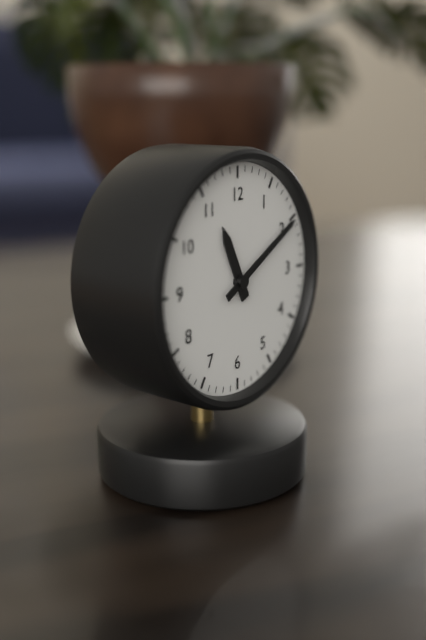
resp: 11,10
